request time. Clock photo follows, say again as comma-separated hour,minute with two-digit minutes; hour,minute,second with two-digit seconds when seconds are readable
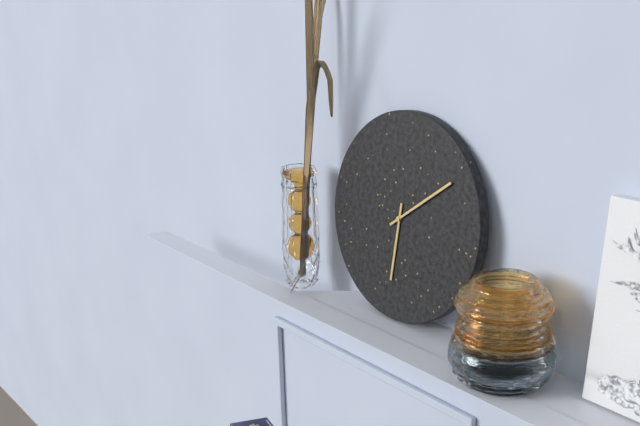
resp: 6,09
